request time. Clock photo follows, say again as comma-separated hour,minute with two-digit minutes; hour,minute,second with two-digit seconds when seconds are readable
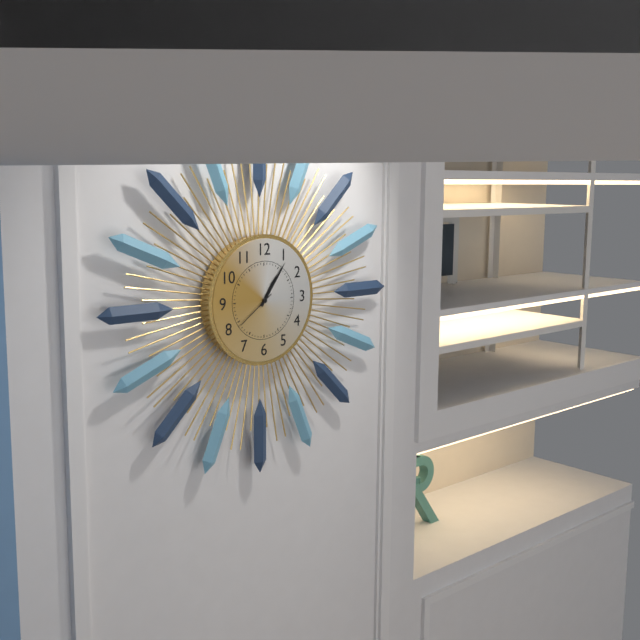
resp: 1,06
